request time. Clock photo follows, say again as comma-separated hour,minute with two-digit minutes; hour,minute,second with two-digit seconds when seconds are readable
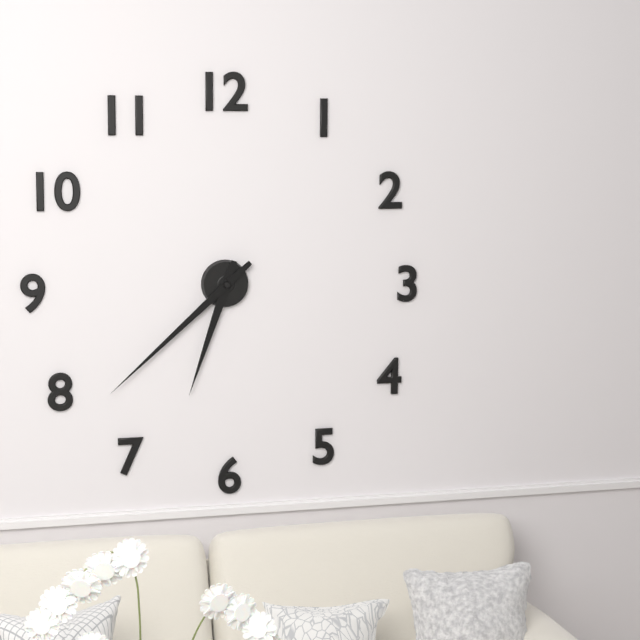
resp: 6,38
